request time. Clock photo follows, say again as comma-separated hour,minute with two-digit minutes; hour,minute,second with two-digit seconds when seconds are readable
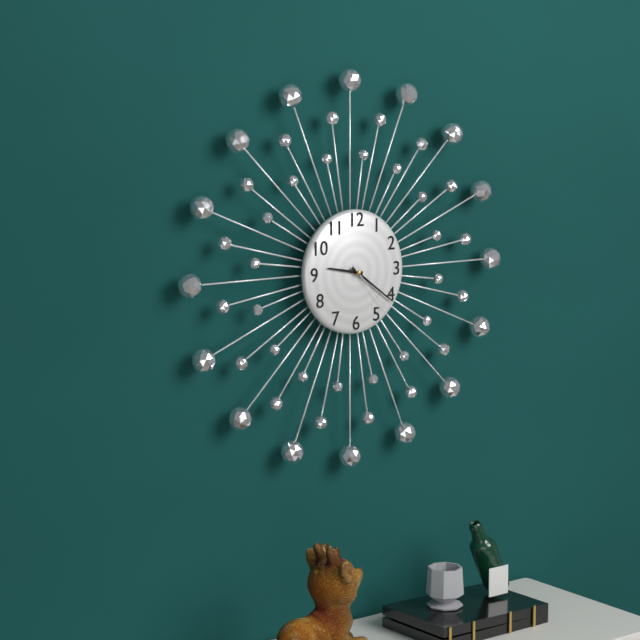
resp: 9,21,23
